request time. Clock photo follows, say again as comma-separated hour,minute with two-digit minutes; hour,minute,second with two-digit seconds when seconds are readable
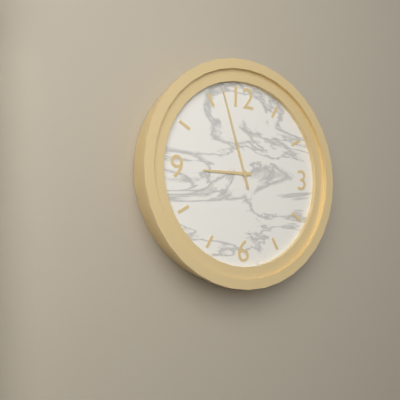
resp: 8,57
